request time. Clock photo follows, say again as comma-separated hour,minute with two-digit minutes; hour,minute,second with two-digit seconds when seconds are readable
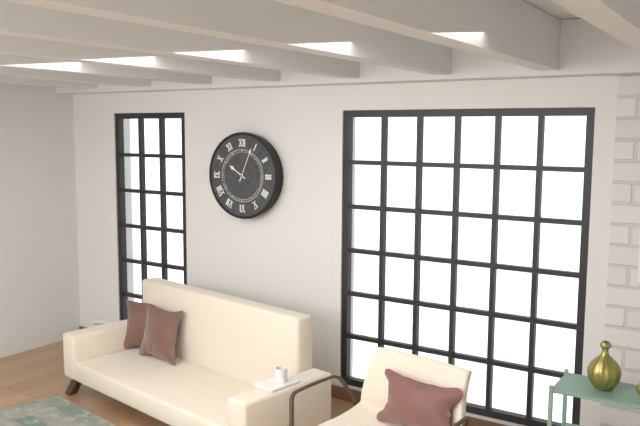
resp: 10,04
